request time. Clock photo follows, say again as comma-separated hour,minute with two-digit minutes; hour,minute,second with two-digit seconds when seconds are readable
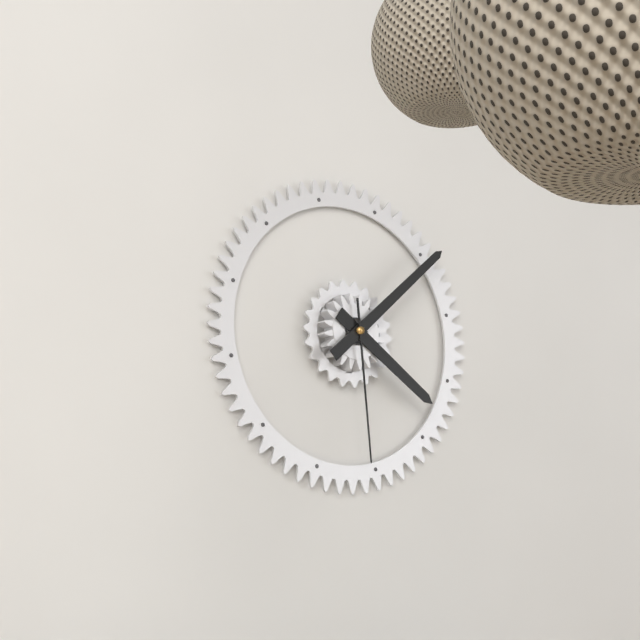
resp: 4,08,29
